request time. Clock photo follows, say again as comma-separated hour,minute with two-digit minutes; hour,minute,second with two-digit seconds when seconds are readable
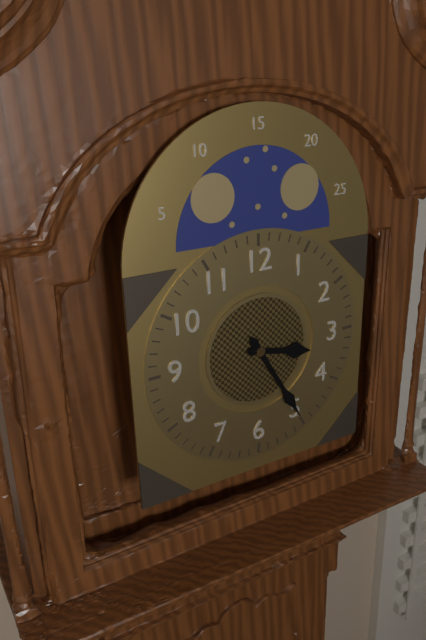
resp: 3,25
